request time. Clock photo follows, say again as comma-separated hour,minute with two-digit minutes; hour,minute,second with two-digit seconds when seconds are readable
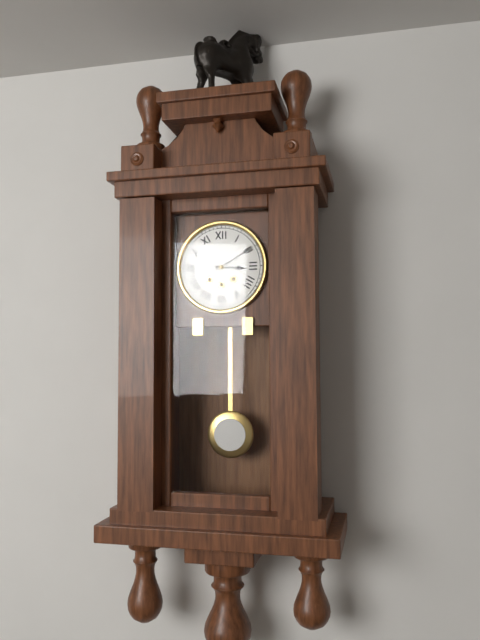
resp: 3,10
